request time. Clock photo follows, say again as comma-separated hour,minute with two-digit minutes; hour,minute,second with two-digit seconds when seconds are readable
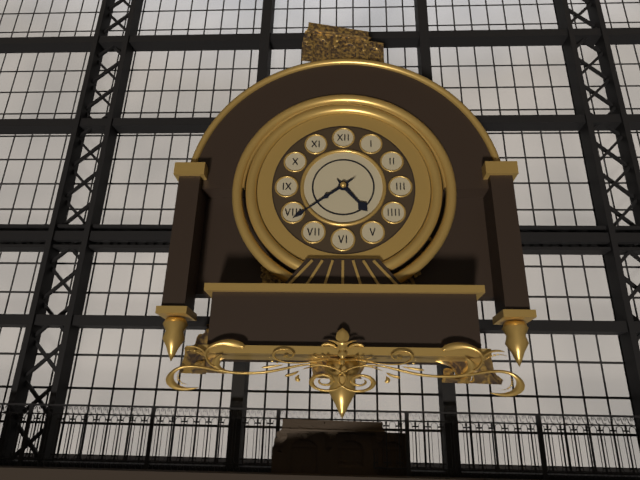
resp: 4,39
